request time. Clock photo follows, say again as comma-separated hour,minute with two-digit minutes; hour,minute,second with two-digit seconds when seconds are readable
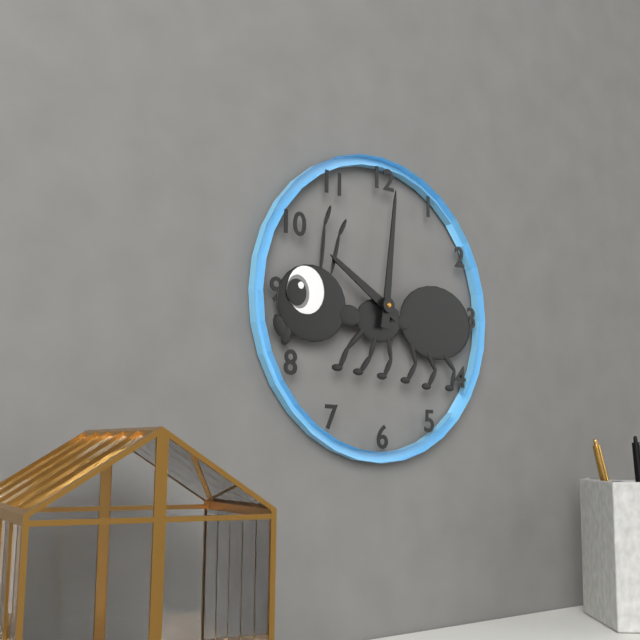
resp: 10,01
